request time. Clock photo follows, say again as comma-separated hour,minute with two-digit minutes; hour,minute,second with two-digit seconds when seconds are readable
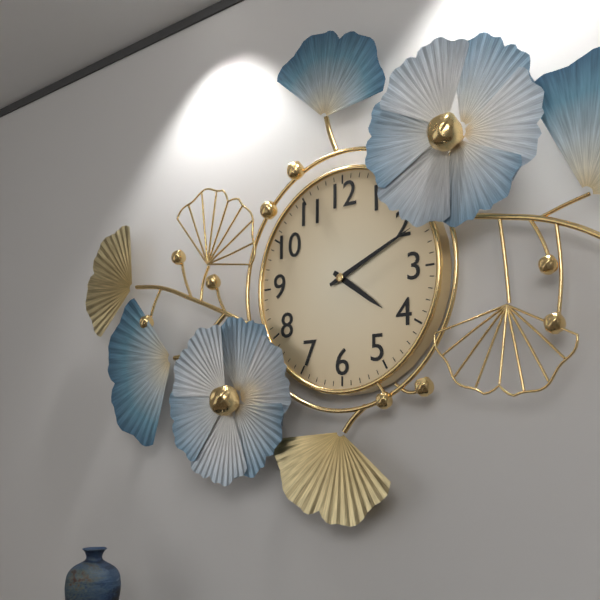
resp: 4,11
